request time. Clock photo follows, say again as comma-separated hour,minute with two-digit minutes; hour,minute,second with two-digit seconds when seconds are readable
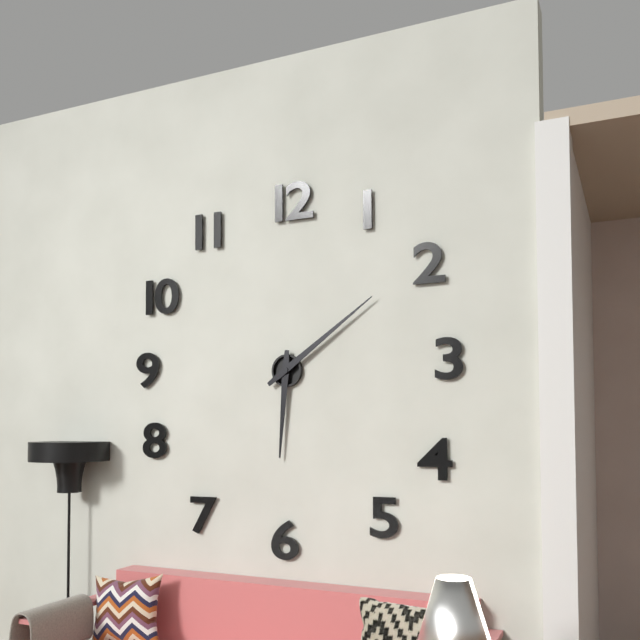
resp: 6,09
